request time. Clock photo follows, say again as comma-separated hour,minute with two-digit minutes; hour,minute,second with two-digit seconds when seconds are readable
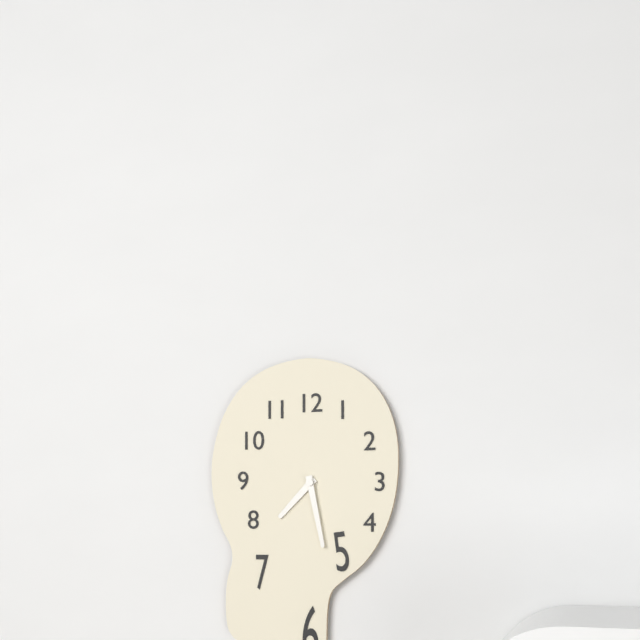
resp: 7,28
